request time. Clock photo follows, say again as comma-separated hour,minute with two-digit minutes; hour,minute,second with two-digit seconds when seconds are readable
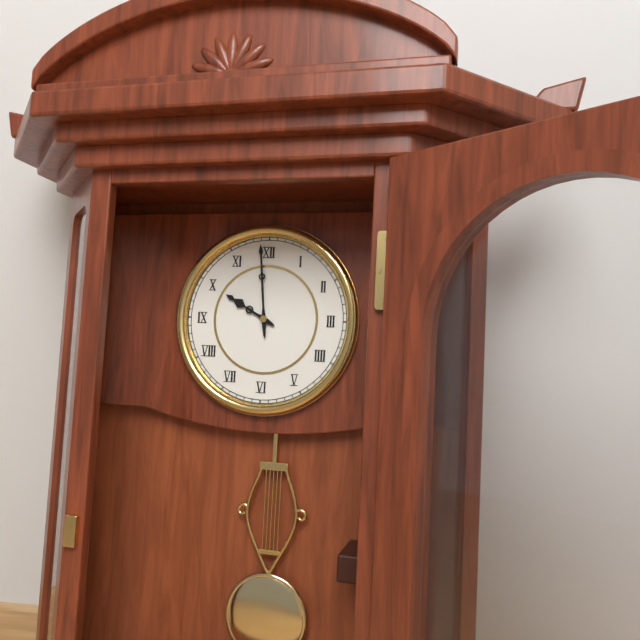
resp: 9,59
